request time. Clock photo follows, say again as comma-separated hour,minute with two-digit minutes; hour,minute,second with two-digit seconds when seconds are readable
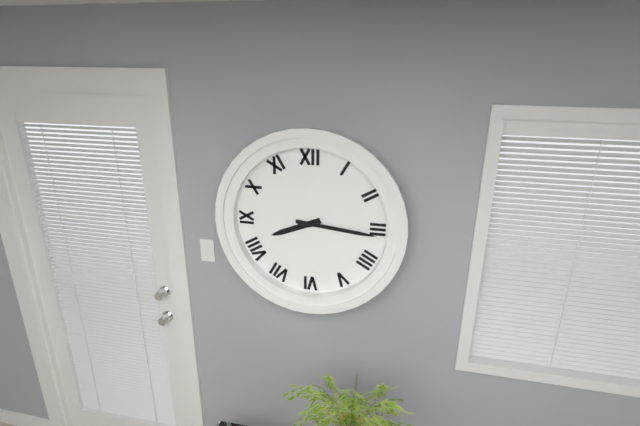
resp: 8,16
